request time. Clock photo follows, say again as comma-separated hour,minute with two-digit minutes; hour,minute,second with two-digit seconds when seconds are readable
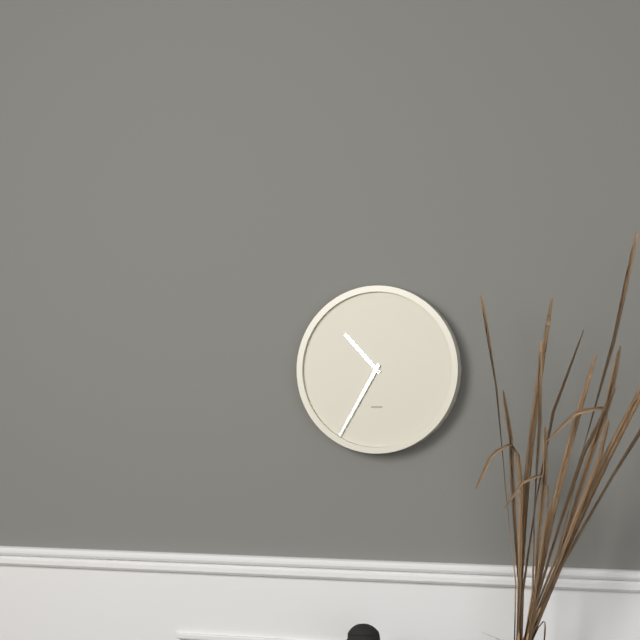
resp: 10,35
